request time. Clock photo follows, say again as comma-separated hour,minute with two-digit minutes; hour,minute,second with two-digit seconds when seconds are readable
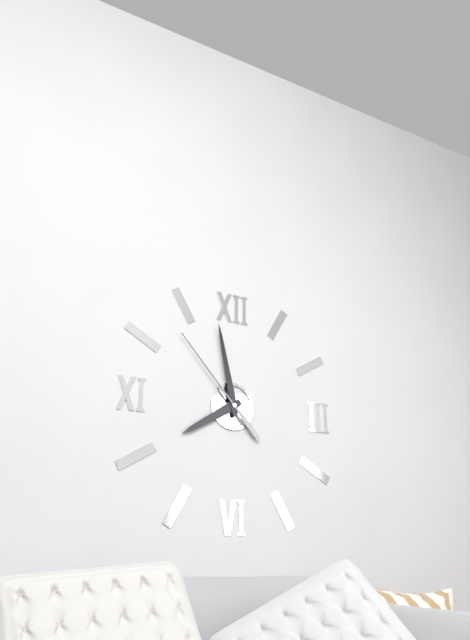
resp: 7,58,53
